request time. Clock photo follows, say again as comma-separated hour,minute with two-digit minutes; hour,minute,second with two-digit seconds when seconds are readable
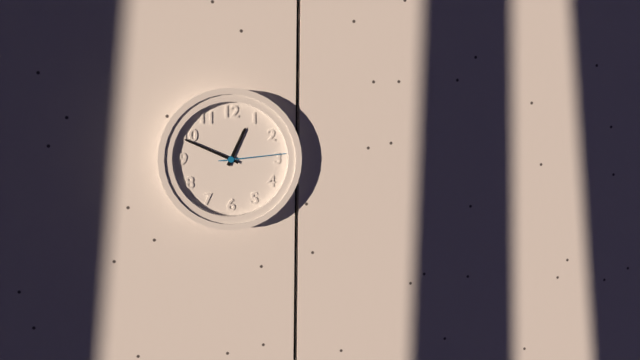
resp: 12,49,14
